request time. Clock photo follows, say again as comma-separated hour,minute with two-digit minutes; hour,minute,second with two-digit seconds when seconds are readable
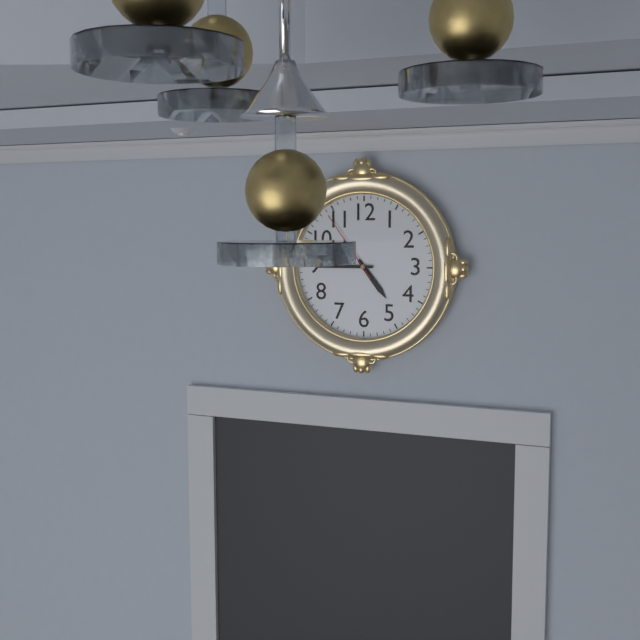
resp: 4,45,54
